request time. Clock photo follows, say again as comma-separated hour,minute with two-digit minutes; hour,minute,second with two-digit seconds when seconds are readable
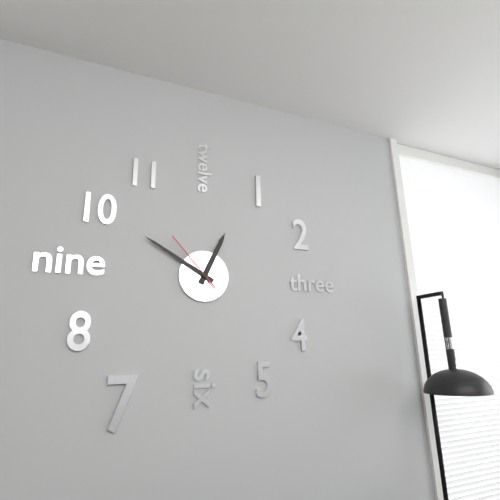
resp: 12,50,53
